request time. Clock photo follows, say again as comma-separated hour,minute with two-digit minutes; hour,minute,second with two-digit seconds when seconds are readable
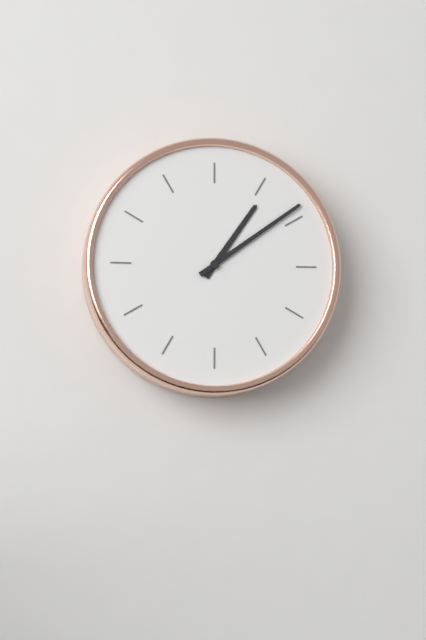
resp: 1,09
